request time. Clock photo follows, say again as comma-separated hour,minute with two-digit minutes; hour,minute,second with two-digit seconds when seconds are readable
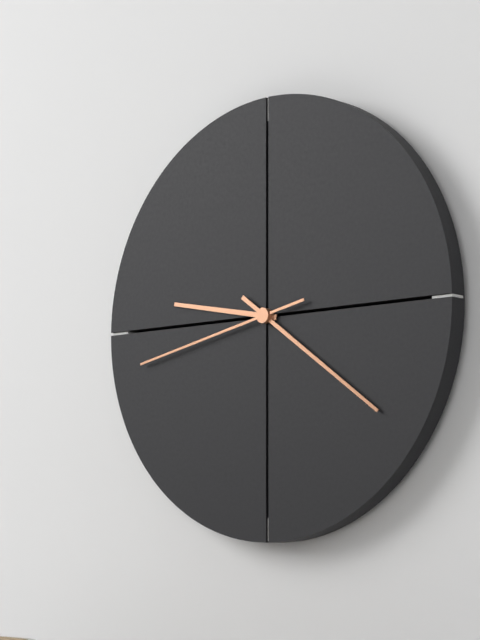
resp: 9,21,43
